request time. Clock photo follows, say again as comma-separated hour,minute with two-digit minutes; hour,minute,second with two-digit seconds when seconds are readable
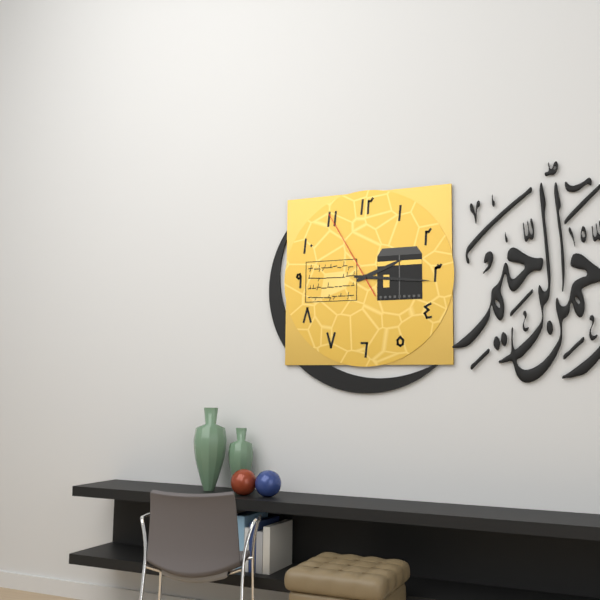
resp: 2,16,55
